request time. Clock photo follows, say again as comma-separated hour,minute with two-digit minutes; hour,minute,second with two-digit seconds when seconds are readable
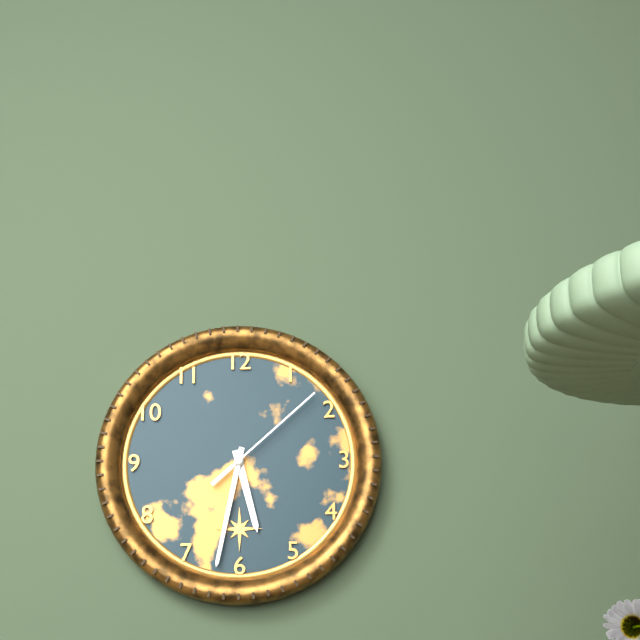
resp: 5,32,08
